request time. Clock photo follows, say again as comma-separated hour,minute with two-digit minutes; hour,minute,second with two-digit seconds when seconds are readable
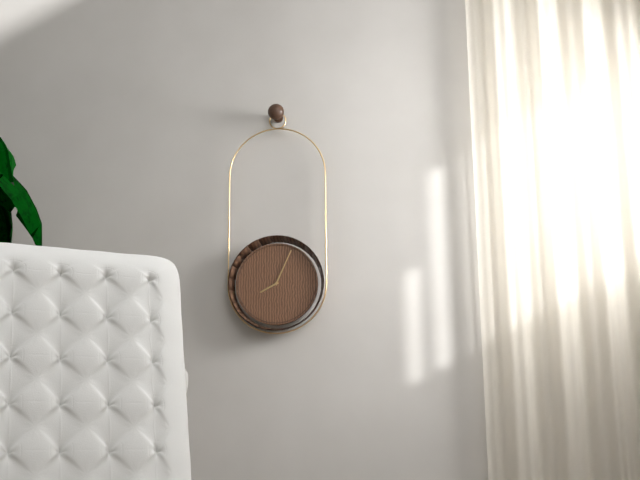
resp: 8,04
